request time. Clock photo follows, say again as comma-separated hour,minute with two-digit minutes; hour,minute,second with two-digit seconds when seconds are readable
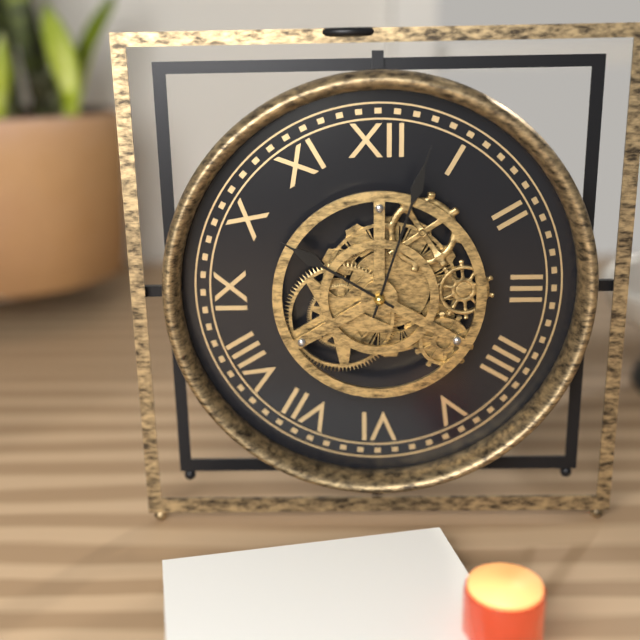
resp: 10,03
